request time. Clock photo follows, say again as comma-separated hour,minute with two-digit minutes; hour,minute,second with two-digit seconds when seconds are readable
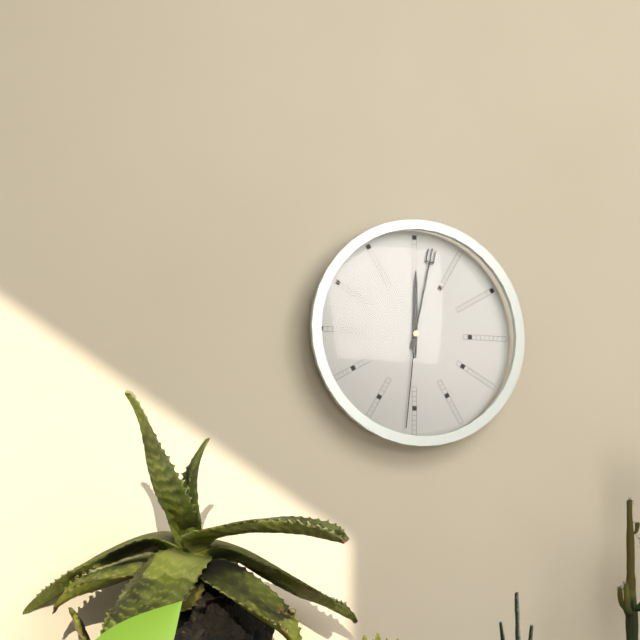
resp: 12,02,31
